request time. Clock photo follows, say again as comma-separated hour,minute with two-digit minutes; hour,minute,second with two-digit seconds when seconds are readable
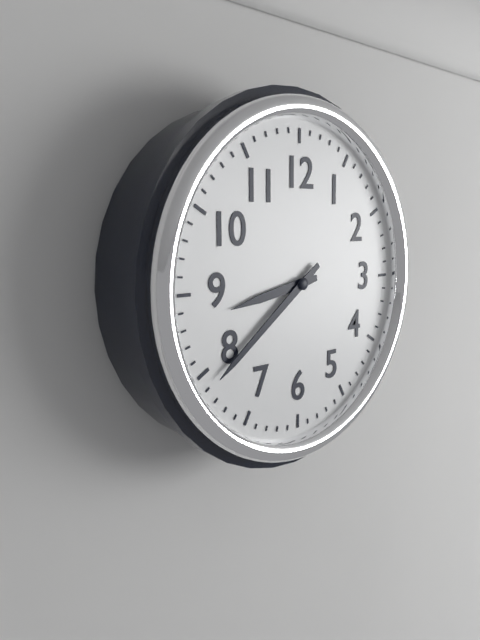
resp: 8,39
